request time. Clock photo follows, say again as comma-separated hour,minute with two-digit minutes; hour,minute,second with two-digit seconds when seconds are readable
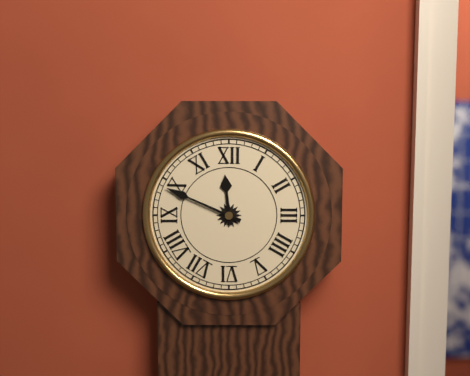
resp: 11,49
